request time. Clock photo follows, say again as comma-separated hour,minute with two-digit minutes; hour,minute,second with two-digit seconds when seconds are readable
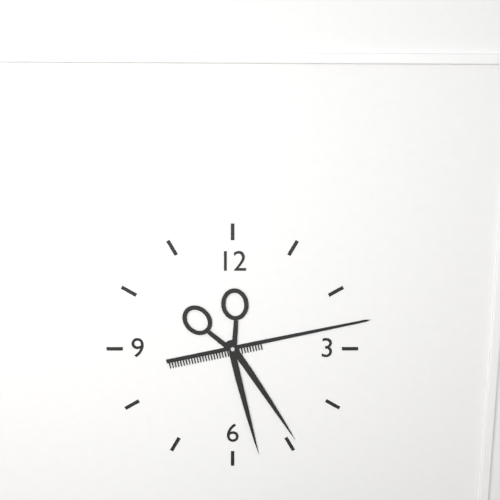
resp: 5,13
